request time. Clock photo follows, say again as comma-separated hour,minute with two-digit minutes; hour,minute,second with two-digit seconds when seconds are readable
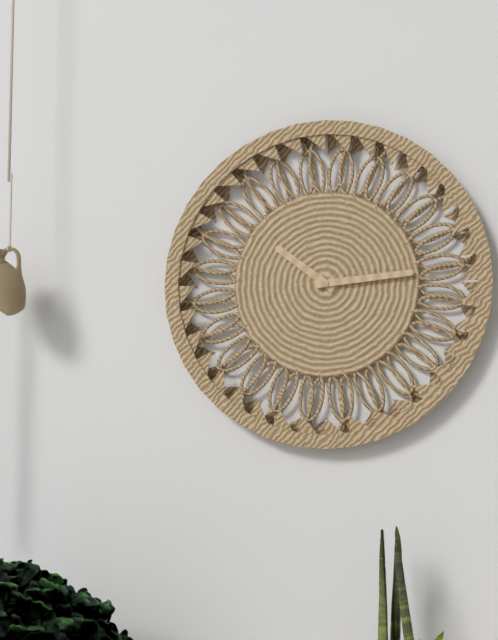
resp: 10,14
